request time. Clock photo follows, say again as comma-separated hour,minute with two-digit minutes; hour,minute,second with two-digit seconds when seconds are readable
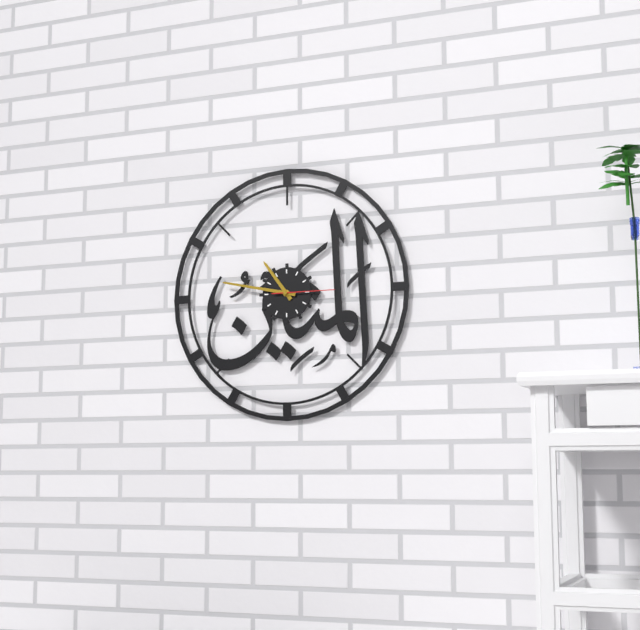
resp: 10,47,15
